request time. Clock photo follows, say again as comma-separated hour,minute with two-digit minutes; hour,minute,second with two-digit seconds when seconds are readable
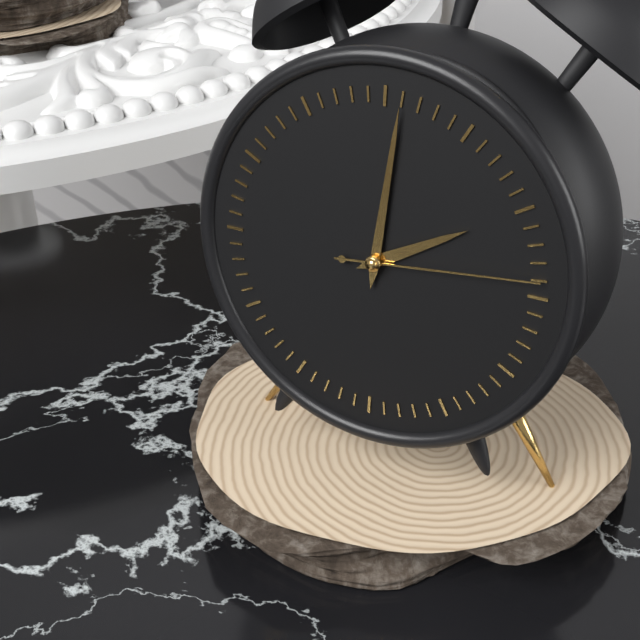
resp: 2,01,14
